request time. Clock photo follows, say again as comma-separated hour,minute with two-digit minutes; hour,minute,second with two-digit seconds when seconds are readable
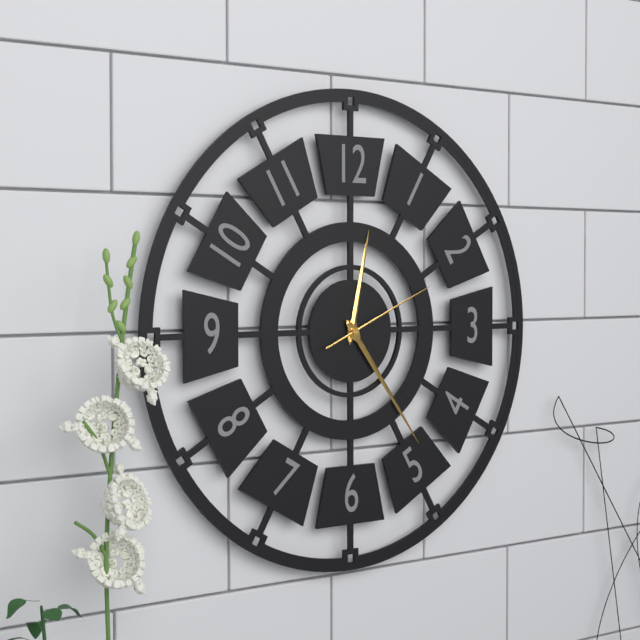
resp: 12,24,11
